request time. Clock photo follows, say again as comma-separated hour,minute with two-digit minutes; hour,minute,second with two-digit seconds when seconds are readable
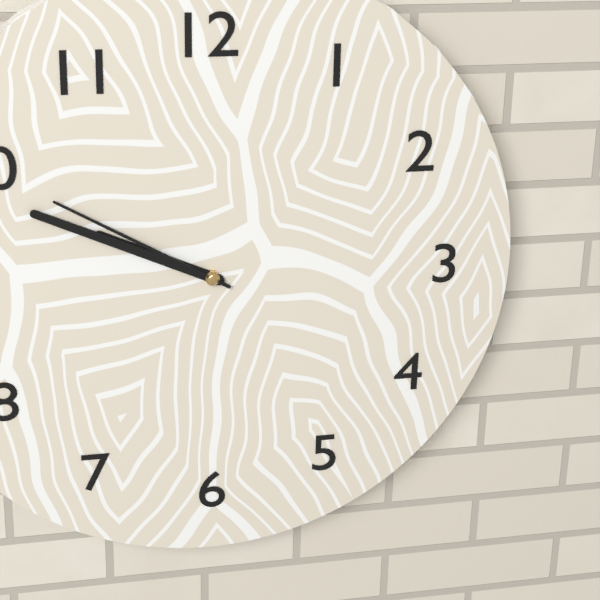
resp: 9,49,50
